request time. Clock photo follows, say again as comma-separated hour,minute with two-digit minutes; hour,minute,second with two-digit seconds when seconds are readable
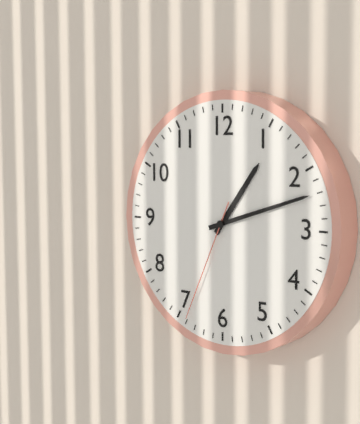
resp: 1,12,34
